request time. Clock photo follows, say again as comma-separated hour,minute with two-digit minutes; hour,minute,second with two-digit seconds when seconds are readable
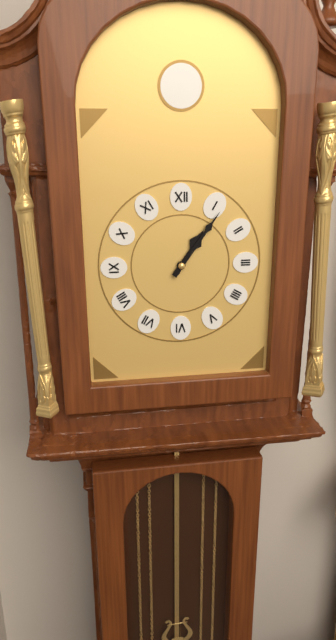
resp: 1,06
